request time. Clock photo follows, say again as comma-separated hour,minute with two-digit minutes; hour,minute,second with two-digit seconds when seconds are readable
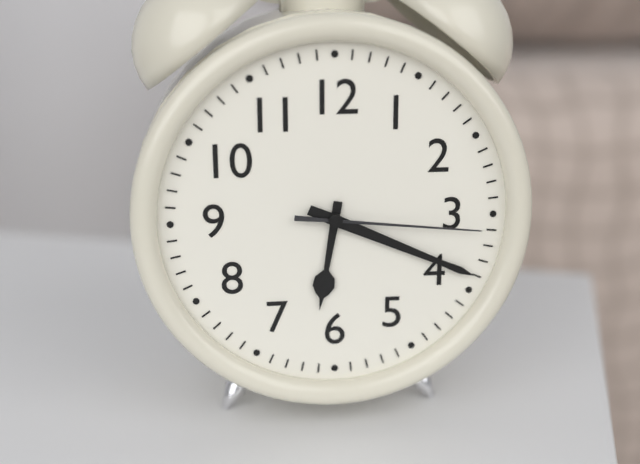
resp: 6,19,16
